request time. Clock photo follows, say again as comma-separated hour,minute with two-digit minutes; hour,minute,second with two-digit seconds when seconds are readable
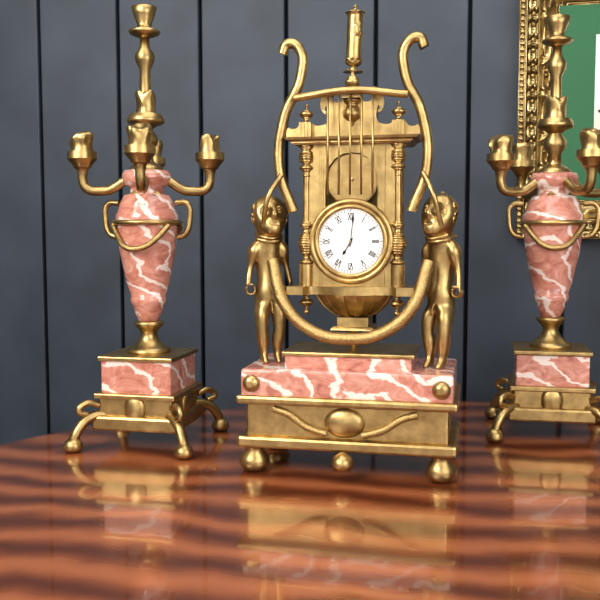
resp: 7,01
